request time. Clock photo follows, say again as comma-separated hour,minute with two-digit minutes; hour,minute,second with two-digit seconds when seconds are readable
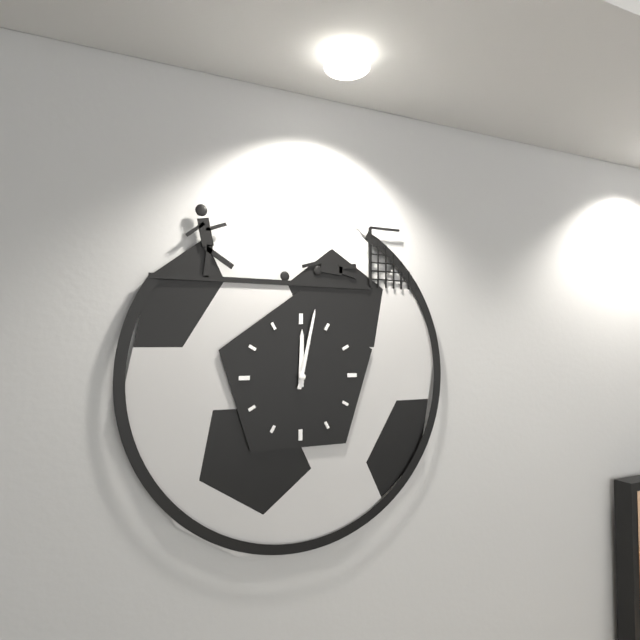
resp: 12,02
